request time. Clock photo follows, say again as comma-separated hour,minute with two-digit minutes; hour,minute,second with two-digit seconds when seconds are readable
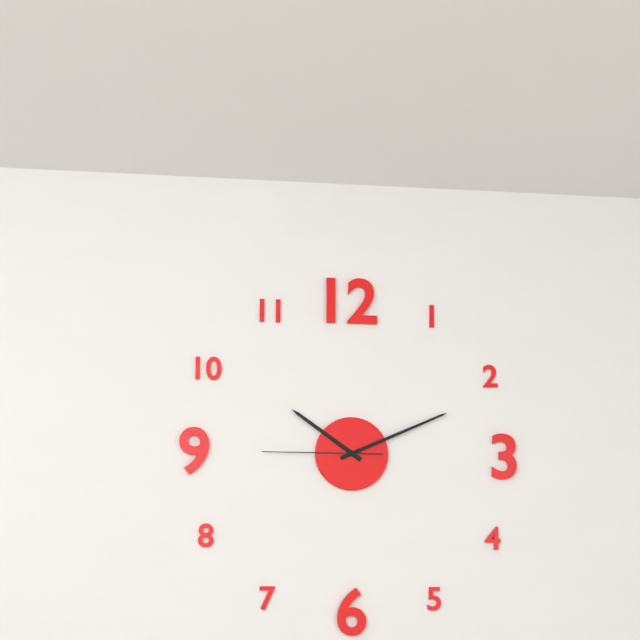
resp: 10,11,45
